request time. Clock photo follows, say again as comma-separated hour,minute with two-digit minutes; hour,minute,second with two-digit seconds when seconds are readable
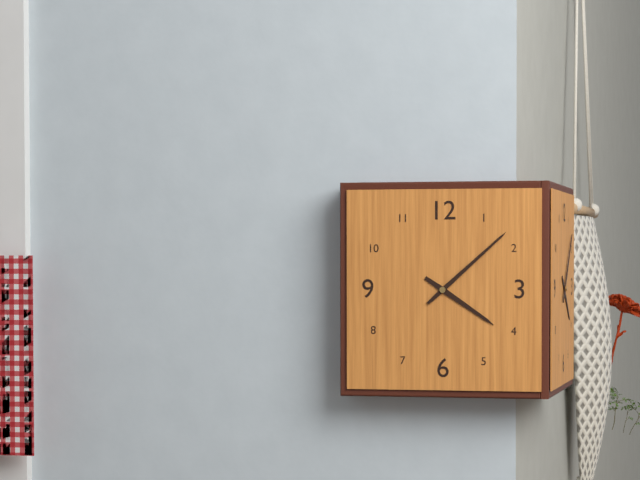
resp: 4,08
